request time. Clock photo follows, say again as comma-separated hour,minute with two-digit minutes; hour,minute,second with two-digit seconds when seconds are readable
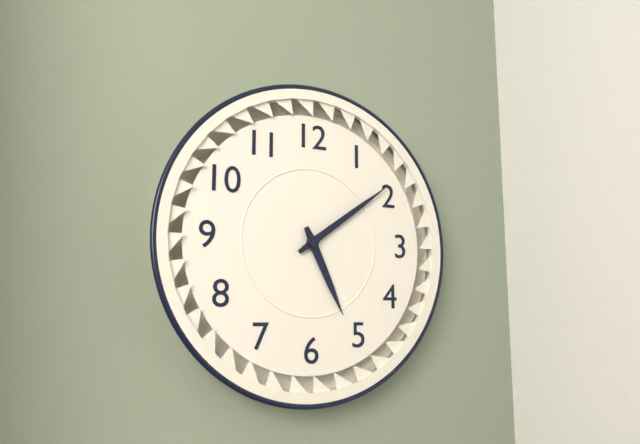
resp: 5,09
